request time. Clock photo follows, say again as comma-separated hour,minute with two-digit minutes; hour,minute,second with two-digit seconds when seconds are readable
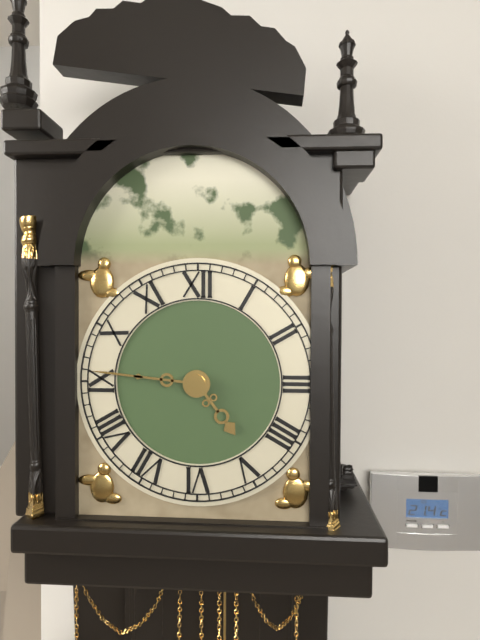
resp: 4,46
